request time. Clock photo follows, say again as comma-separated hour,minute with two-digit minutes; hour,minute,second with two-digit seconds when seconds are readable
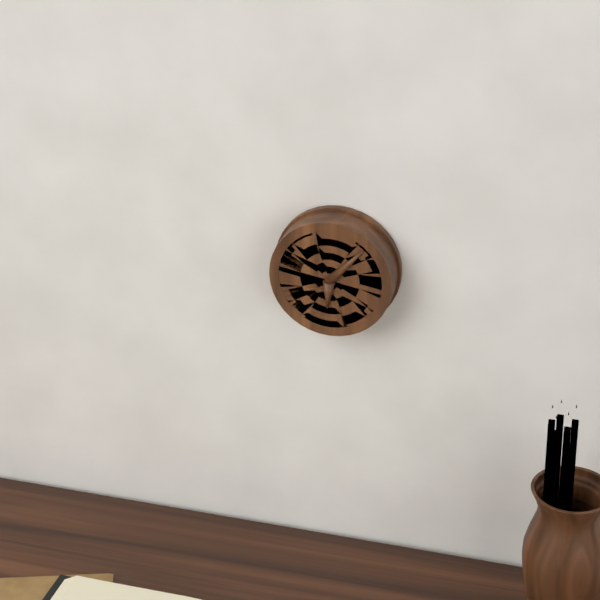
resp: 6,07
